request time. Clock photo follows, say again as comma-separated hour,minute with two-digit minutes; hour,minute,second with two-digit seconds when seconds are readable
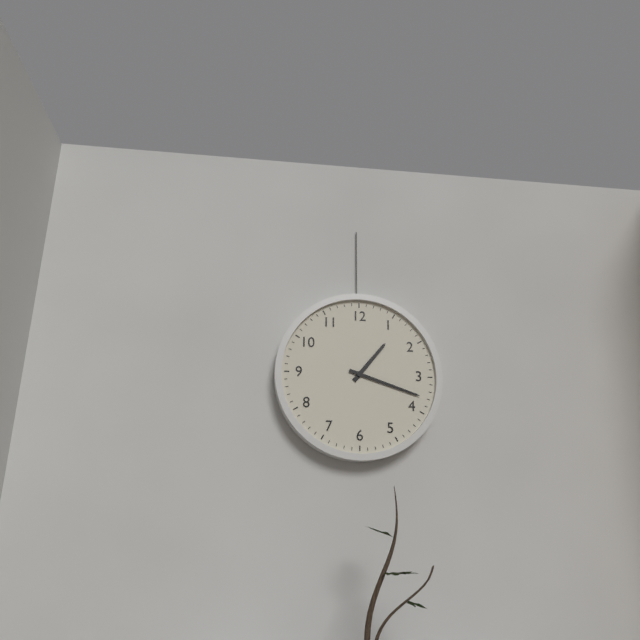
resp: 1,18
